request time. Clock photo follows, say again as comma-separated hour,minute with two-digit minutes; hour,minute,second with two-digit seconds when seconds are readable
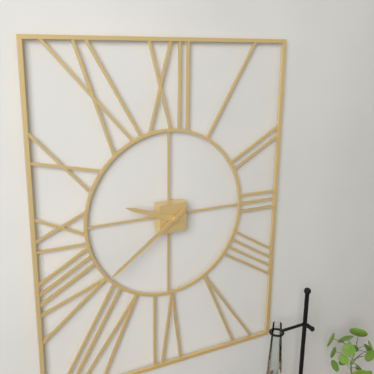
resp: 9,39
